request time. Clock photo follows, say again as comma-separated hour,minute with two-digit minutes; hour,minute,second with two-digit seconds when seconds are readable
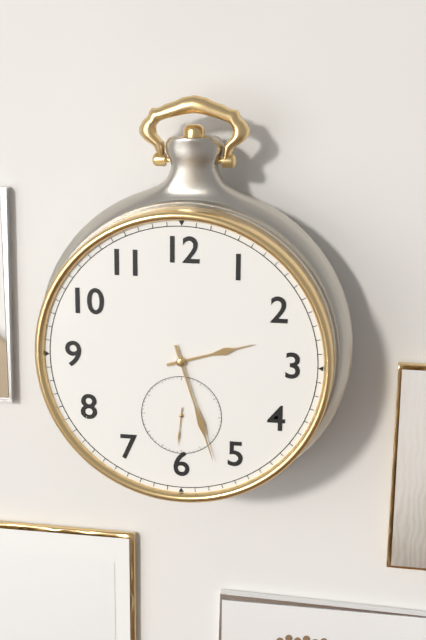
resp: 2,27
